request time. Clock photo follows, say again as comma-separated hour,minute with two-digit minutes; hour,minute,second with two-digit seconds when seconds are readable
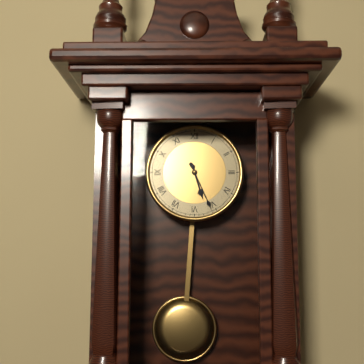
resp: 5,26
